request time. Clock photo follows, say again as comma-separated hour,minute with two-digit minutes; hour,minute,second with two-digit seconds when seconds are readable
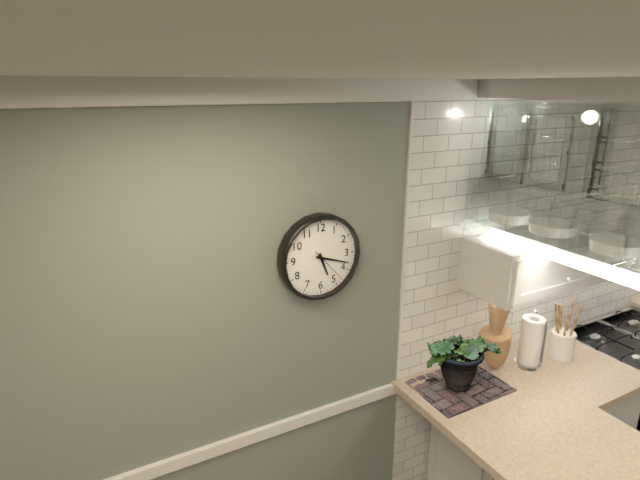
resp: 5,18
